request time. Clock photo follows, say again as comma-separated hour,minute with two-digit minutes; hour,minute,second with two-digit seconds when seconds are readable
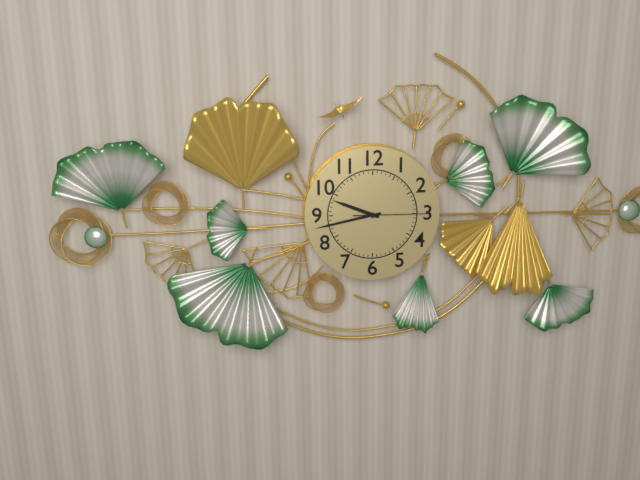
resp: 9,43,15
